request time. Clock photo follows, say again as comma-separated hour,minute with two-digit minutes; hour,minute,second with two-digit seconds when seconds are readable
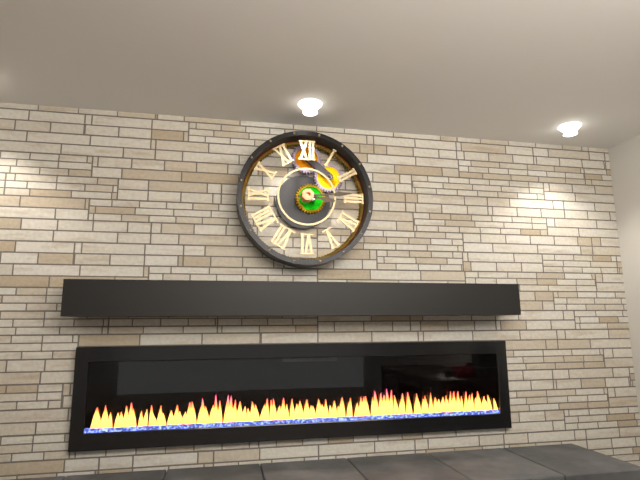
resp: 3,14
